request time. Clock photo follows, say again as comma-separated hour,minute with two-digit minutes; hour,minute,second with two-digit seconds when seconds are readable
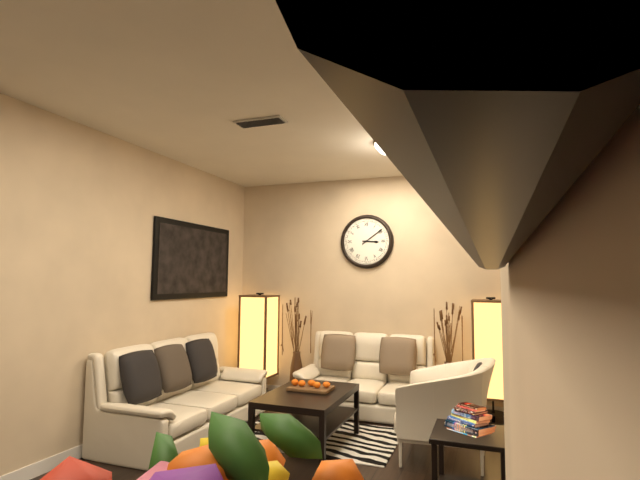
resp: 3,09
